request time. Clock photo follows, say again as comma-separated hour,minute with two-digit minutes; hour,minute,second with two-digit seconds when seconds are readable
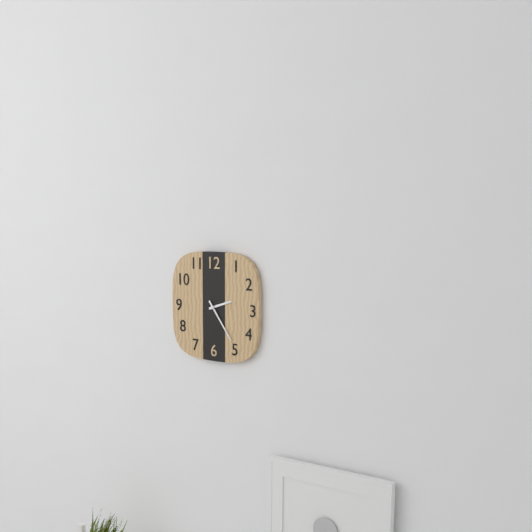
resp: 2,24
